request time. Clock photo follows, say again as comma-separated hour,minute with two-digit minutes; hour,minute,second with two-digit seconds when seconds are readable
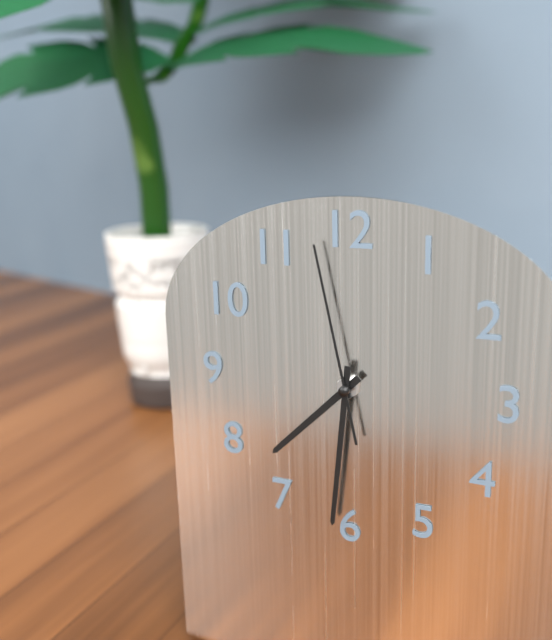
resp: 7,31,58
